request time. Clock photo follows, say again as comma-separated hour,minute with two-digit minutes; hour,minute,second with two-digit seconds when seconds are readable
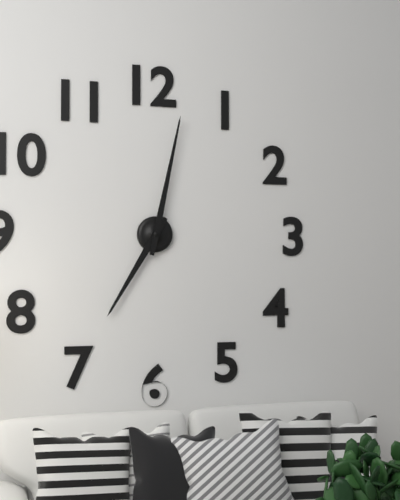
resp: 7,02
